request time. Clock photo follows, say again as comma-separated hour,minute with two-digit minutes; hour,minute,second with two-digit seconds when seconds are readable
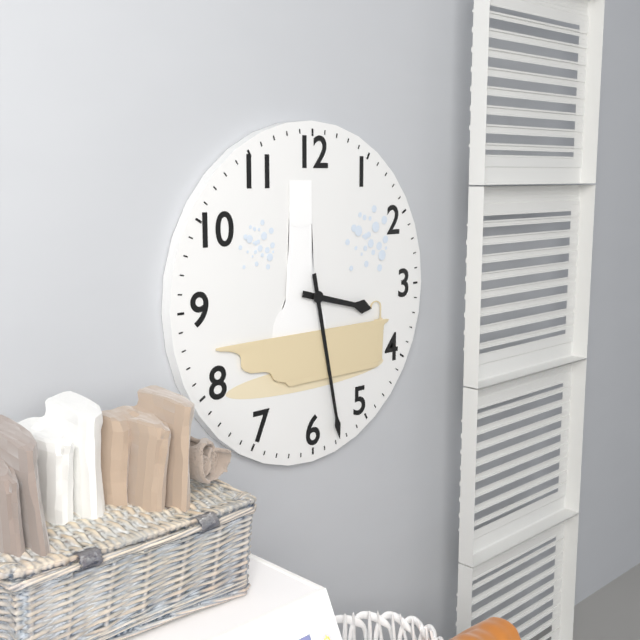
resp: 3,28
